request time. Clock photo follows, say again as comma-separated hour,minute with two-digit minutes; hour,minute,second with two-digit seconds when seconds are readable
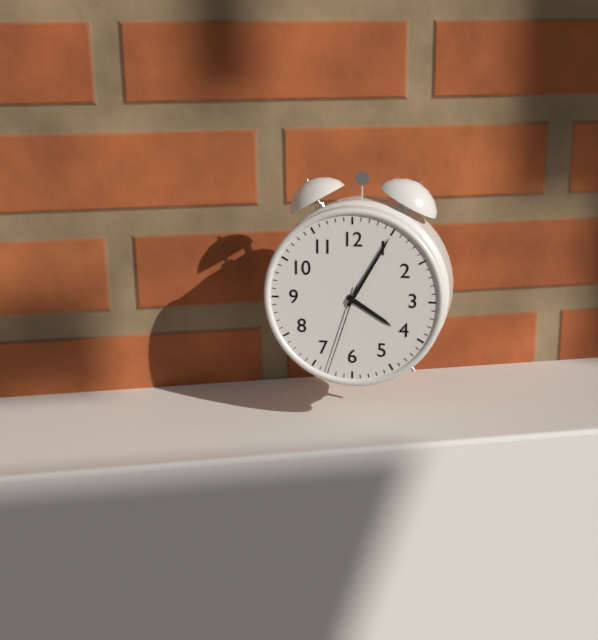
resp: 4,05,33
